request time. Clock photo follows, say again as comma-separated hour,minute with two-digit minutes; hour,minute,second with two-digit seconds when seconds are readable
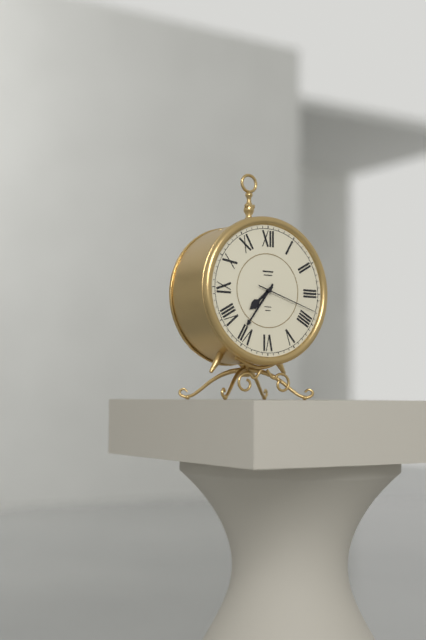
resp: 7,36,18
